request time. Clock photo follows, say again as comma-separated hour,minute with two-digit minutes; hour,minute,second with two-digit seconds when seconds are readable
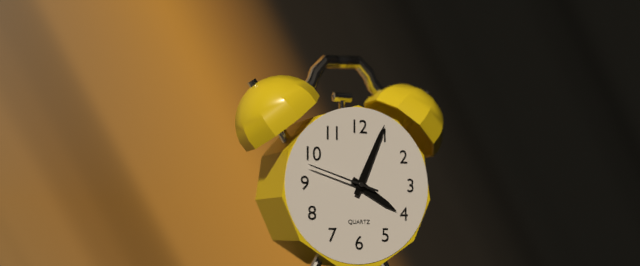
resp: 4,04,48
